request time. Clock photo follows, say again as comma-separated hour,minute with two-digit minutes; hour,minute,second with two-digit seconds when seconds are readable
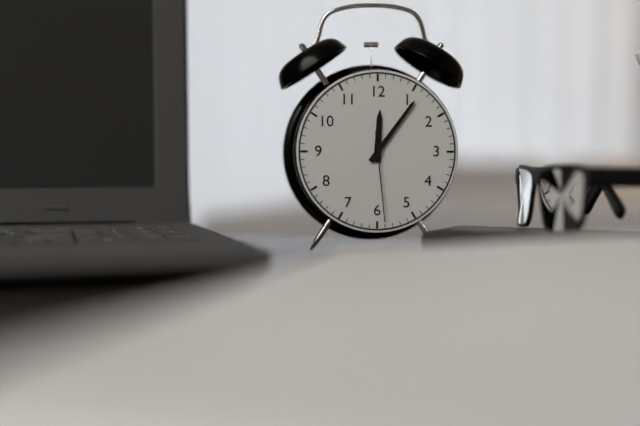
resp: 12,06,29
